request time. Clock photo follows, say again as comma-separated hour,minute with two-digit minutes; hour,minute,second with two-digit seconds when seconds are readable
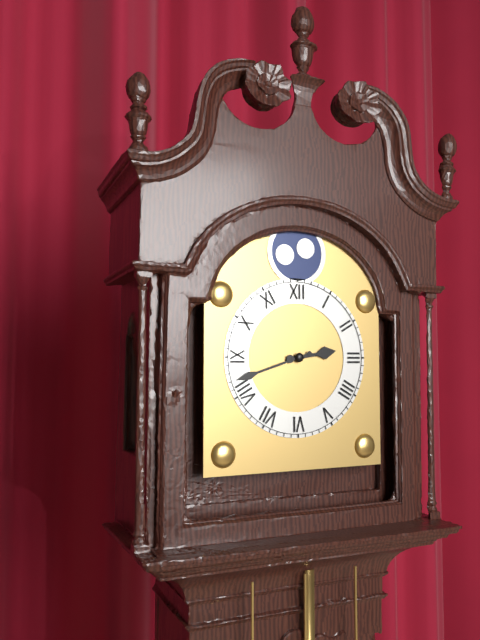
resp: 2,42
